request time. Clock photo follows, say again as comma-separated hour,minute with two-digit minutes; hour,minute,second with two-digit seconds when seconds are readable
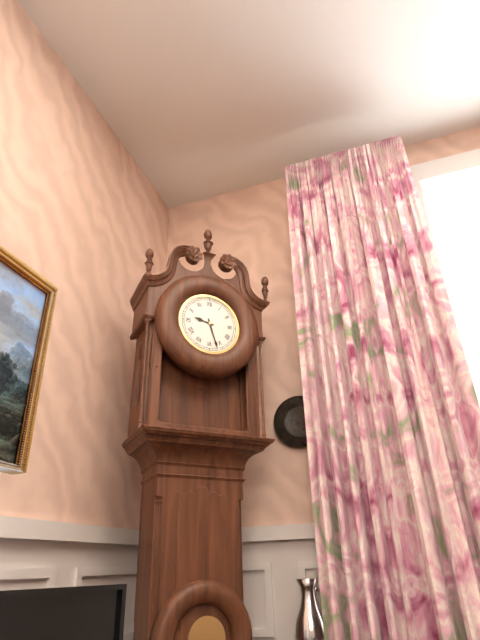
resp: 9,27
